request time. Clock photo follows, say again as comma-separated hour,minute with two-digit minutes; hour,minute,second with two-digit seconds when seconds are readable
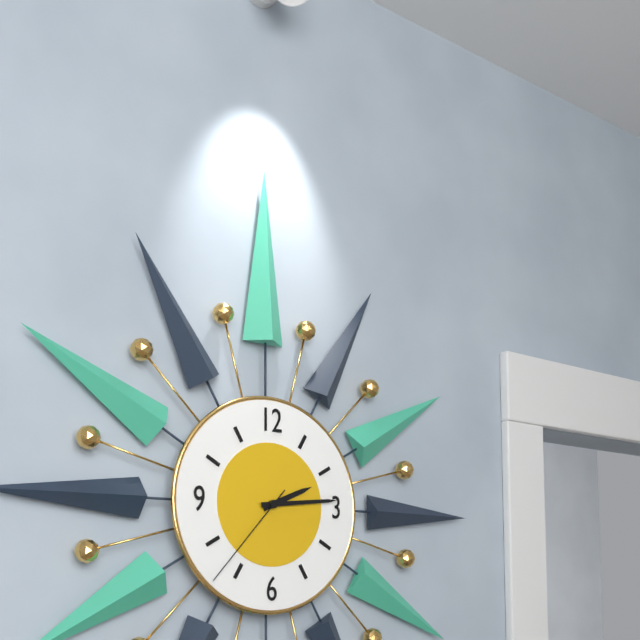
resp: 2,14,37
